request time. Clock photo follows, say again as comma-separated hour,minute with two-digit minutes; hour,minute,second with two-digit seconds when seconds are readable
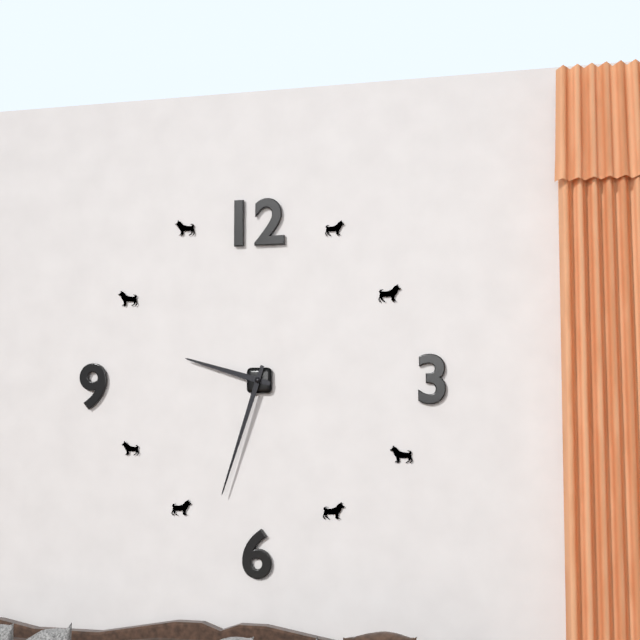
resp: 9,33
